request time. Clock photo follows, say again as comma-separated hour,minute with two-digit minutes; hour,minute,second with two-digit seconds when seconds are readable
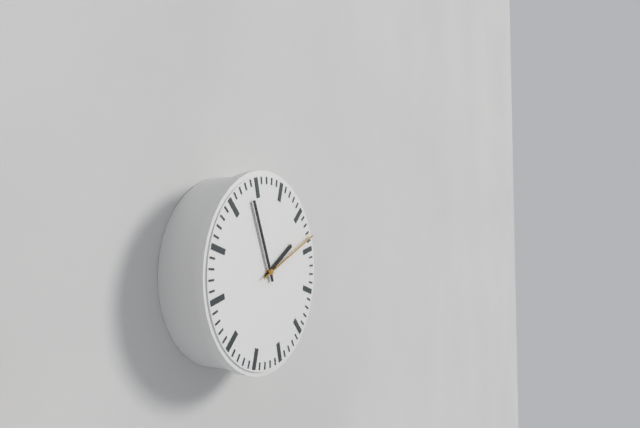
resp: 1,56,11
